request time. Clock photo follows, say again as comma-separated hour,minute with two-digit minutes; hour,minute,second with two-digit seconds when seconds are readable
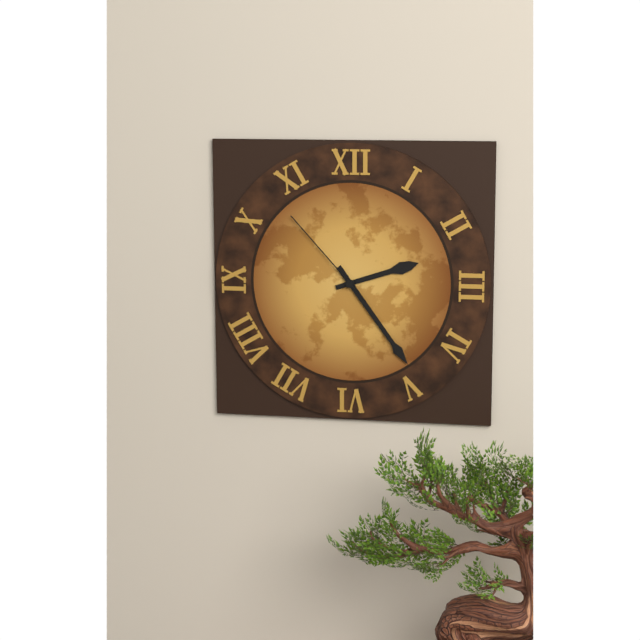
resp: 2,24,53
